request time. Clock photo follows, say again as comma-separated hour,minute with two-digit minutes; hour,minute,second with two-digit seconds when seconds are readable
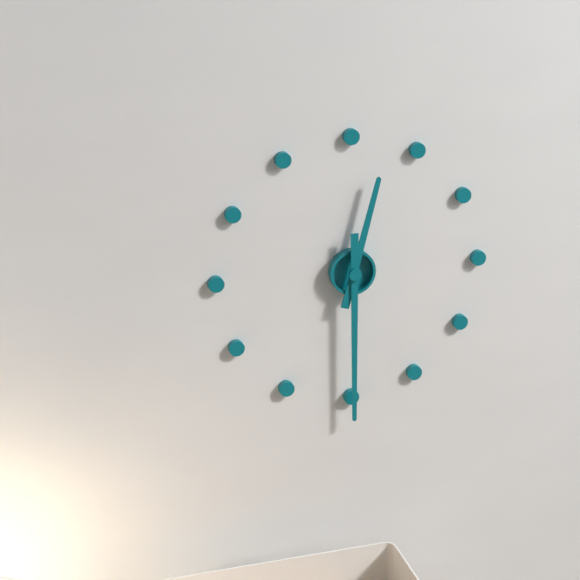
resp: 12,30
